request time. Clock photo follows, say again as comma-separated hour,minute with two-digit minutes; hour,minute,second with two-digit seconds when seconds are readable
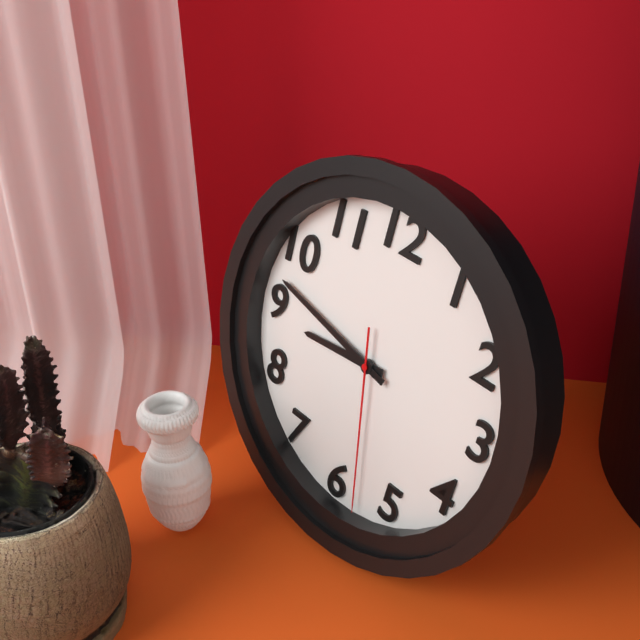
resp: 8,47,28
